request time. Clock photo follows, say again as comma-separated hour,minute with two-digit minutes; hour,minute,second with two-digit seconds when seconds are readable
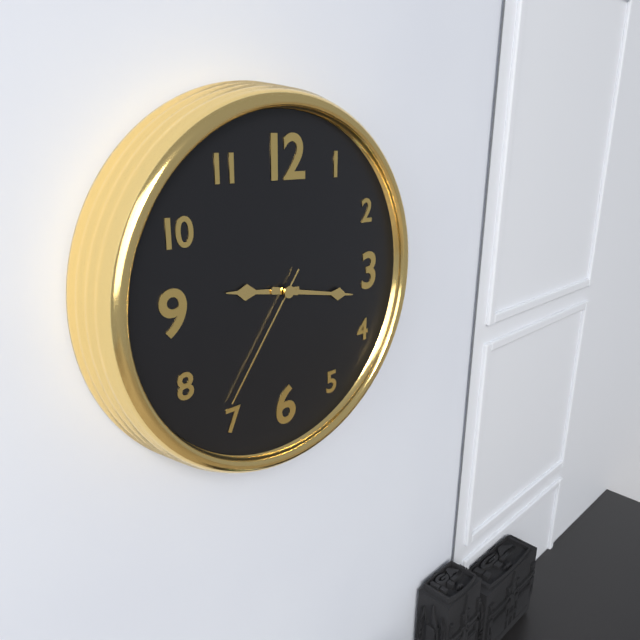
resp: 9,17,36
